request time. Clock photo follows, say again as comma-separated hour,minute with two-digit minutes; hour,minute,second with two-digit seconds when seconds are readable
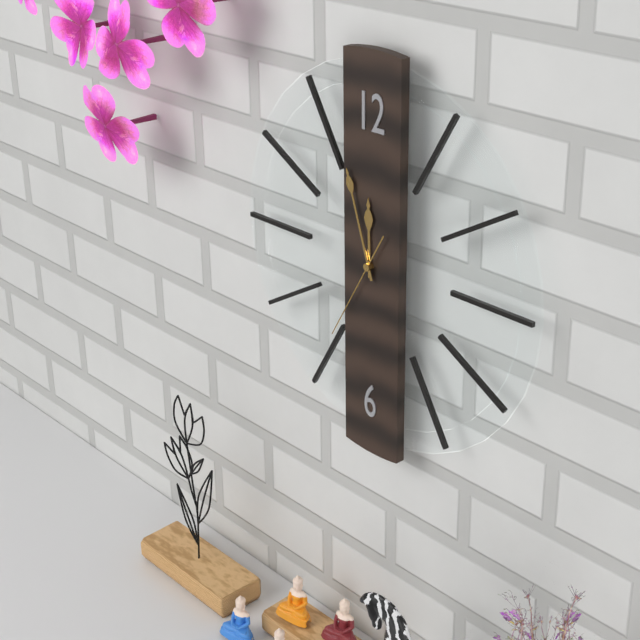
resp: 11,57,35
